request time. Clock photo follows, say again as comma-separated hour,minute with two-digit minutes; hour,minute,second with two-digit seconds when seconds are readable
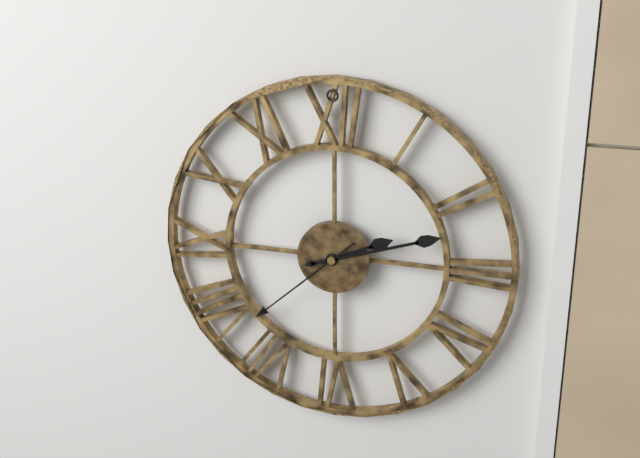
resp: 2,12,38
